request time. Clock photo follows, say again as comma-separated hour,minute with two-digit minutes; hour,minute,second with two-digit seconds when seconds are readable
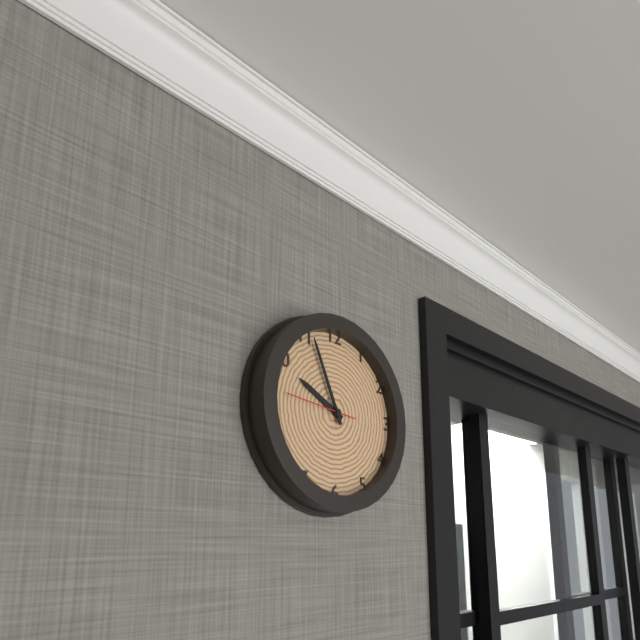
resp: 9,56,46
